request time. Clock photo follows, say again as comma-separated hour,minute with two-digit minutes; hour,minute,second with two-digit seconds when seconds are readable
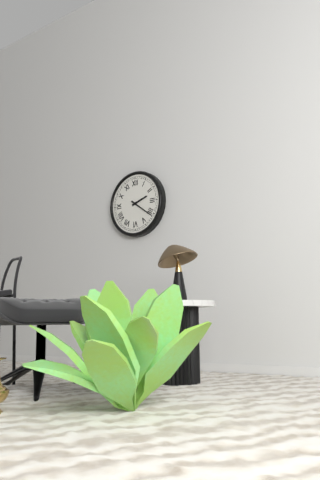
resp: 2,21
